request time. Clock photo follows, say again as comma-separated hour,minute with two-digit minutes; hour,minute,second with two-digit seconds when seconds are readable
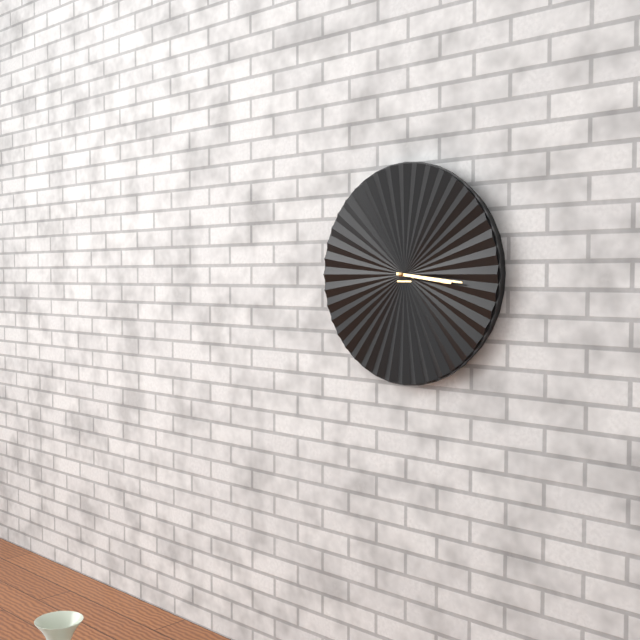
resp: 3,16
